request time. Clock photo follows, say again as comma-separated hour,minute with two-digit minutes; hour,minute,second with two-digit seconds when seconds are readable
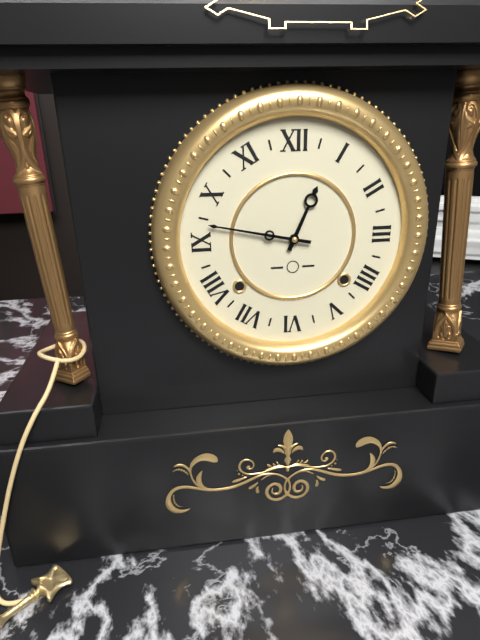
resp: 12,47
